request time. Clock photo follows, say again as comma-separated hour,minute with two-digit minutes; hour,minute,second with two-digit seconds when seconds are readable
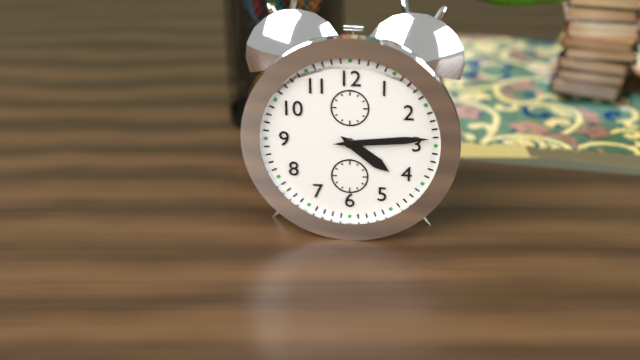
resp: 4,14
